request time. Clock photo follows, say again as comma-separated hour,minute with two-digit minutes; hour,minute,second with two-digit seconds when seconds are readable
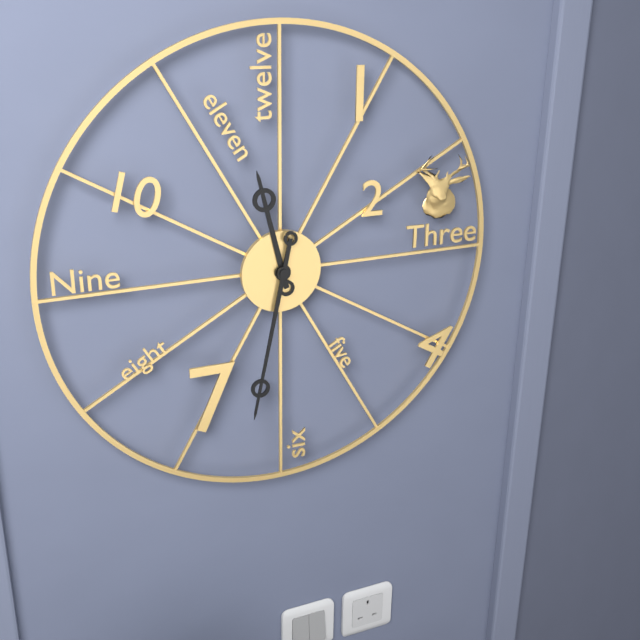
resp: 11,32
